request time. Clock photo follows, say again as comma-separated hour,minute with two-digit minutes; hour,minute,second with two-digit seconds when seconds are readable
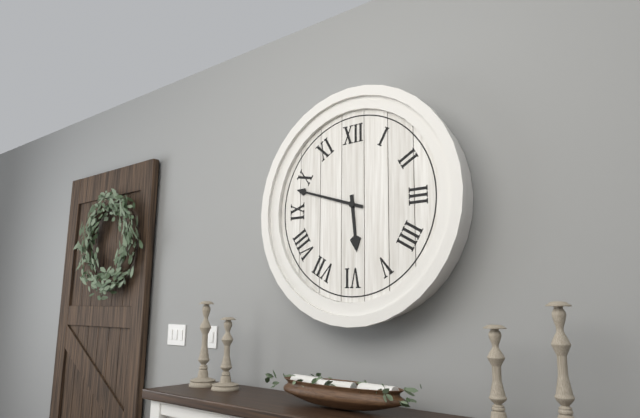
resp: 5,48
